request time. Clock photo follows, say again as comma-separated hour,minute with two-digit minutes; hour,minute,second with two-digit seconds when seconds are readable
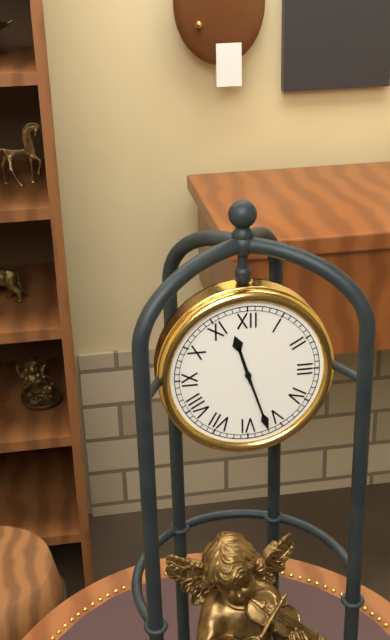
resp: 11,27
